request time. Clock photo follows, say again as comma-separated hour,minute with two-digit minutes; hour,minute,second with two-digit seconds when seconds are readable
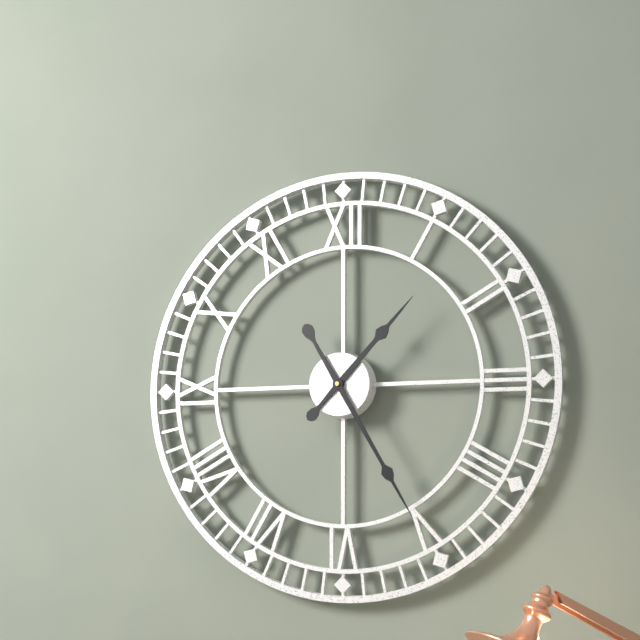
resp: 1,25
